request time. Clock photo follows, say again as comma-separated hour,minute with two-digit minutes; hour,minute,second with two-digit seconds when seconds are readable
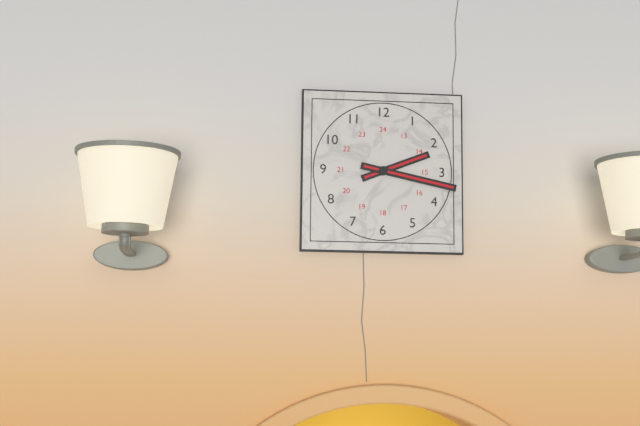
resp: 2,17
